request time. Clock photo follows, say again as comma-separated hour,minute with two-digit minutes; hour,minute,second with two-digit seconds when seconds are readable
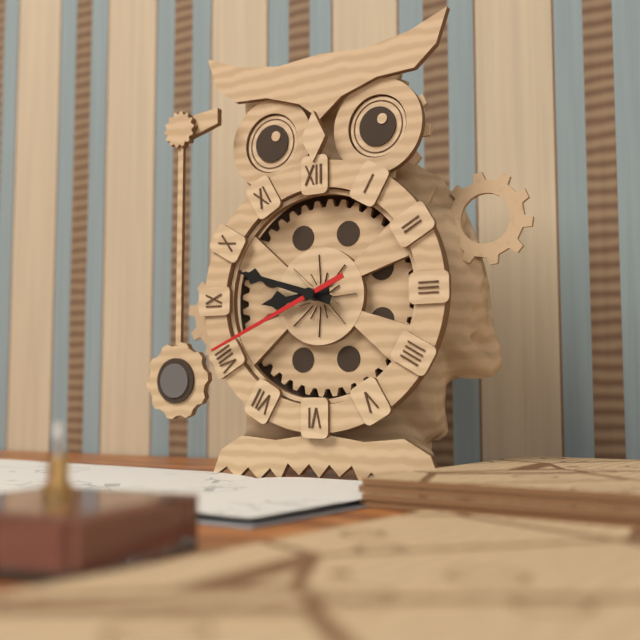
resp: 8,48,41
